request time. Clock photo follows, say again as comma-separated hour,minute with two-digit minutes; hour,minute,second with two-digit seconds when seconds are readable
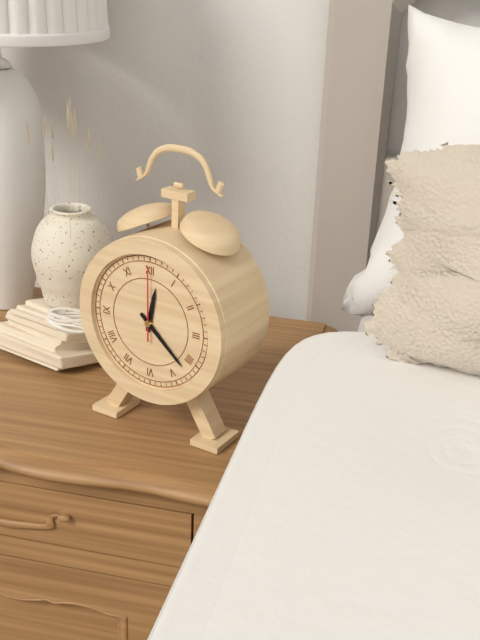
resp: 12,22,00
